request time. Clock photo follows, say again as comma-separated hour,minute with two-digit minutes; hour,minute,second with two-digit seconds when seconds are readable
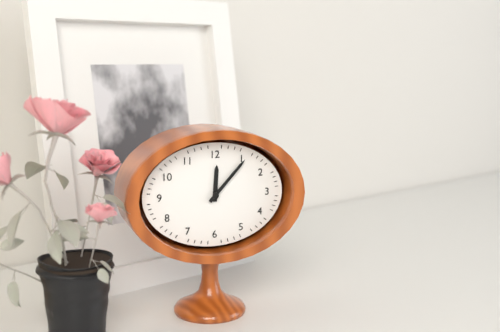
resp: 12,07
